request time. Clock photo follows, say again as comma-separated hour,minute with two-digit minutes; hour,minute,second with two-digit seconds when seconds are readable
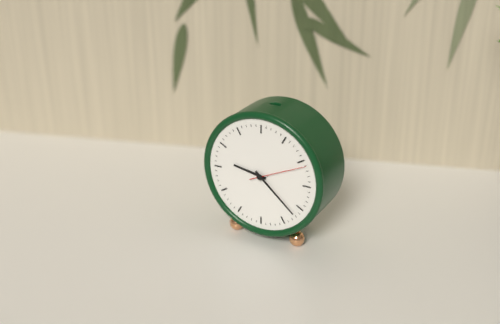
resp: 9,22,11
